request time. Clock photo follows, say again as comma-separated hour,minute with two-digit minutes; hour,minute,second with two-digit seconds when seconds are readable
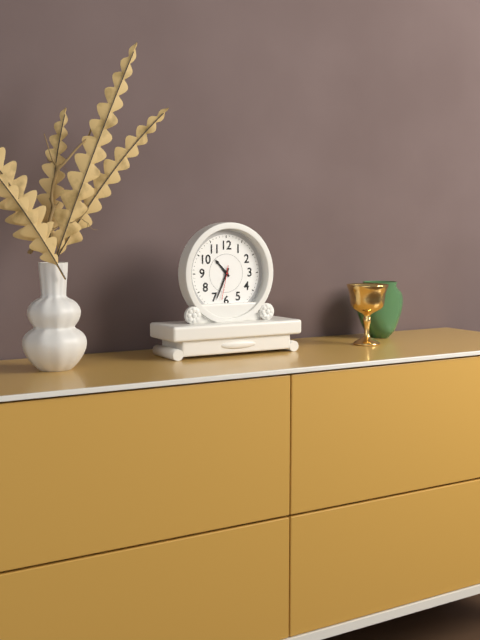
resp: 10,34
